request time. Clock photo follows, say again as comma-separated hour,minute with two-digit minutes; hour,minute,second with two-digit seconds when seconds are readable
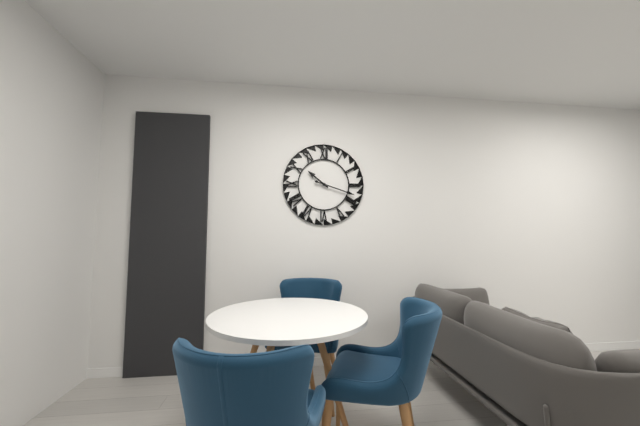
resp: 10,18
